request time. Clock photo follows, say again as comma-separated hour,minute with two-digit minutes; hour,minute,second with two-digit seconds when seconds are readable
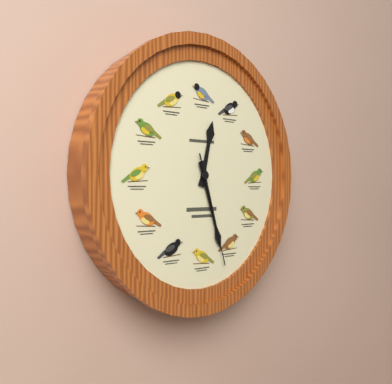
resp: 12,27,27
